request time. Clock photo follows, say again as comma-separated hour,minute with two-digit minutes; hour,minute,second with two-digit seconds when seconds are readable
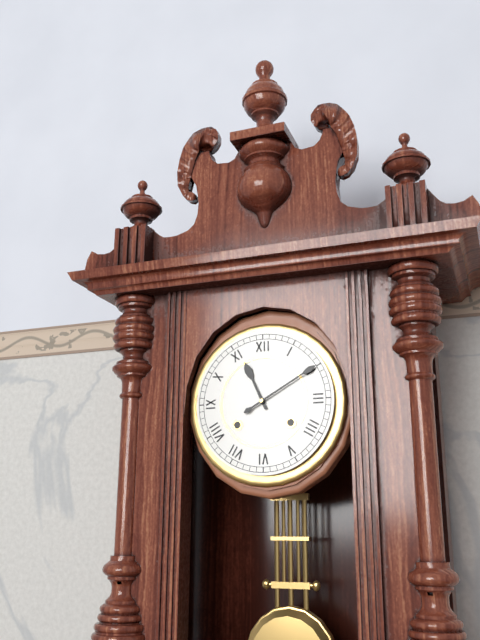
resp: 11,10
